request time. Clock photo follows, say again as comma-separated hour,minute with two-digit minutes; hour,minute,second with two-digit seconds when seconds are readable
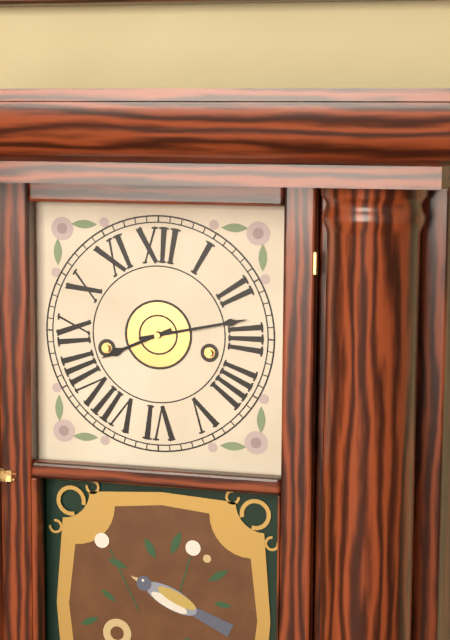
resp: 8,13
